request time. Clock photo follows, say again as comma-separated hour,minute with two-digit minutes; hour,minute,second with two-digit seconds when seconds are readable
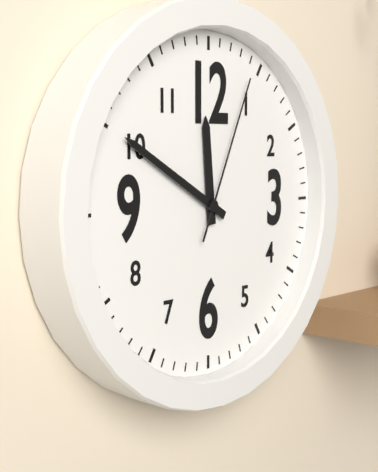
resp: 11,50,04
